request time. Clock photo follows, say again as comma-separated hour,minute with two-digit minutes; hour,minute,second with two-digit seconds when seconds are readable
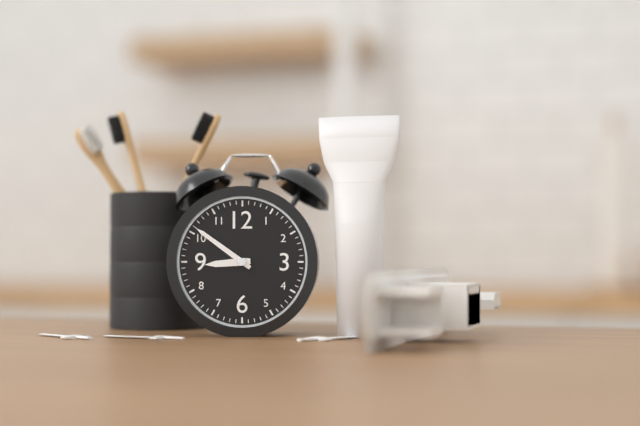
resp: 8,51
